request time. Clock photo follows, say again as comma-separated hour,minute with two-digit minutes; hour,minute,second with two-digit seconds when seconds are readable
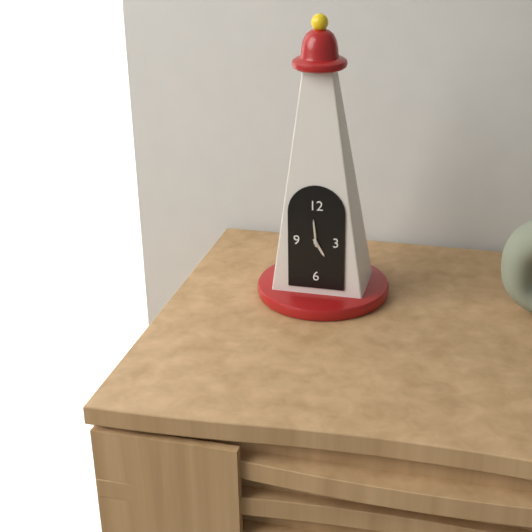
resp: 4,59
